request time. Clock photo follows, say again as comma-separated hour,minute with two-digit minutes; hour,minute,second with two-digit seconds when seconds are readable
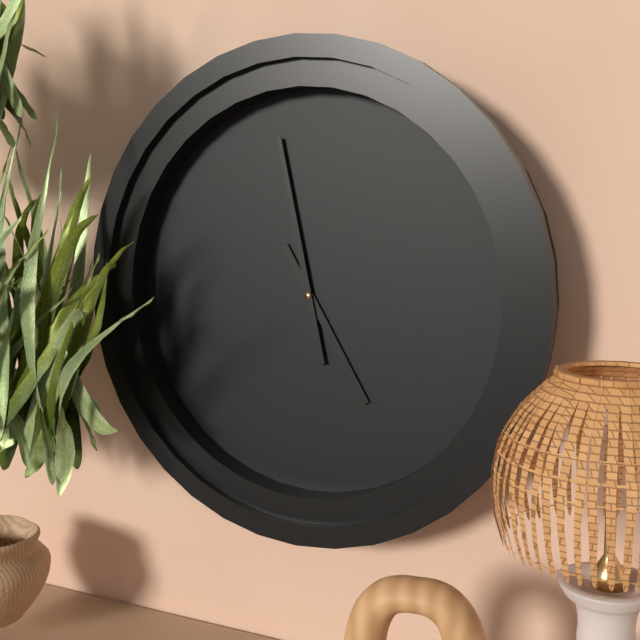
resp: 4,58
